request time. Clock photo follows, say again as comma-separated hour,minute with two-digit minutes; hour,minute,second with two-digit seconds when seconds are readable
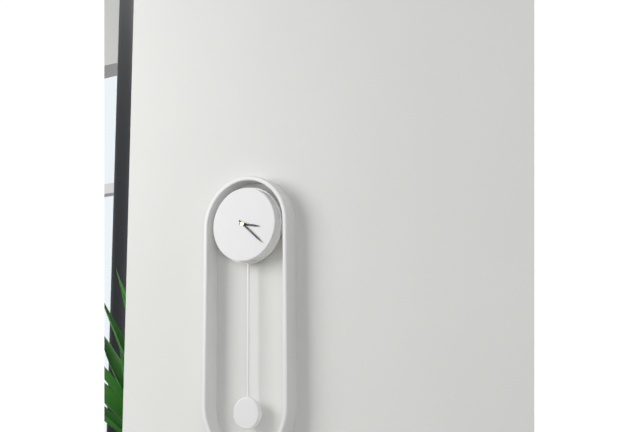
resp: 3,22
